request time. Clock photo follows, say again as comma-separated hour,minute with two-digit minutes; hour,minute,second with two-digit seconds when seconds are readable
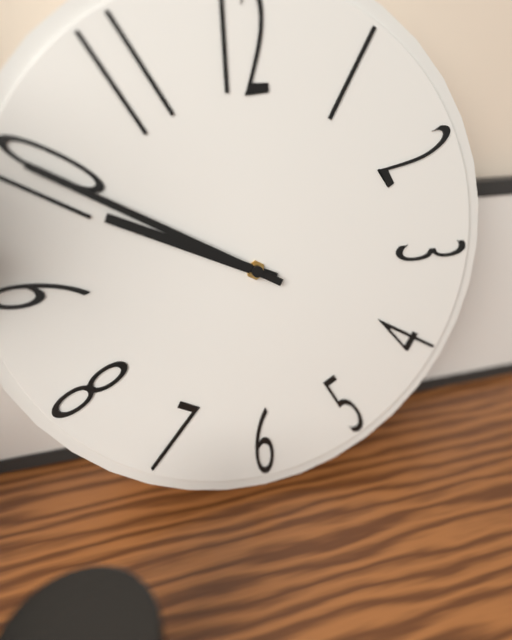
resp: 9,50
